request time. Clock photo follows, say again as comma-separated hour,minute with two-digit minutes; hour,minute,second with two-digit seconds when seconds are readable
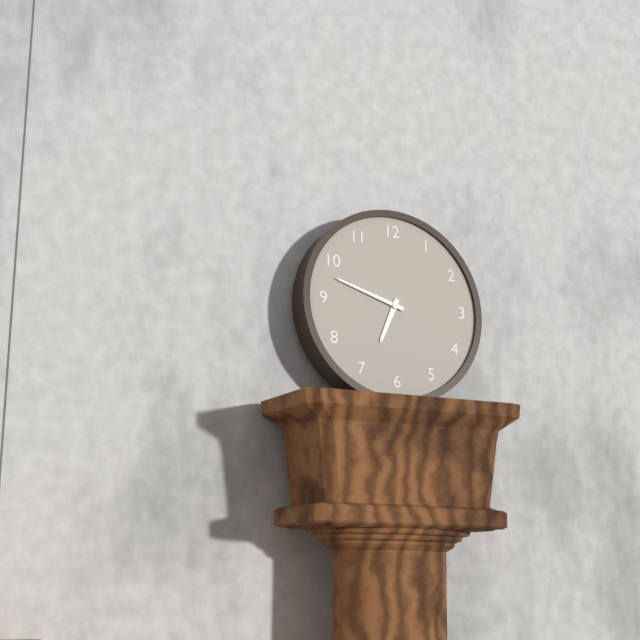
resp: 6,48
